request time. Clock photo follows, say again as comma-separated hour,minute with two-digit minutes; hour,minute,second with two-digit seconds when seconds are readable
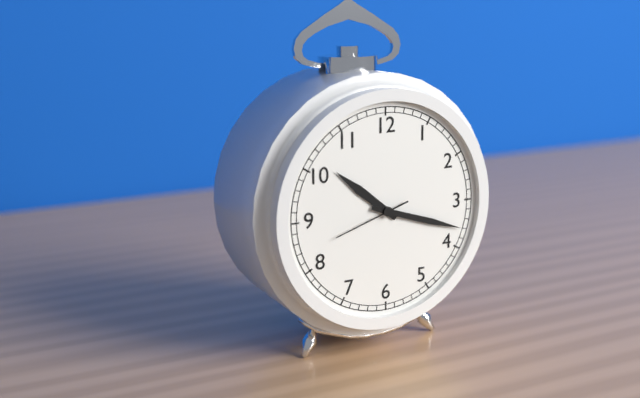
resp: 10,18,42
